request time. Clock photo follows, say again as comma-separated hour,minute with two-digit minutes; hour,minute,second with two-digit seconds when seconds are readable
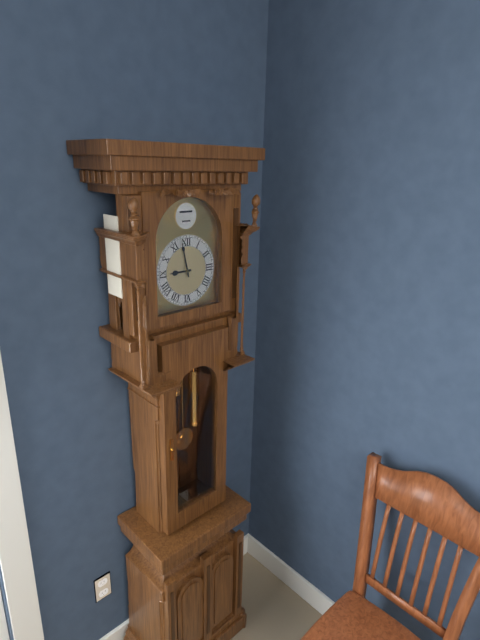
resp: 8,58
